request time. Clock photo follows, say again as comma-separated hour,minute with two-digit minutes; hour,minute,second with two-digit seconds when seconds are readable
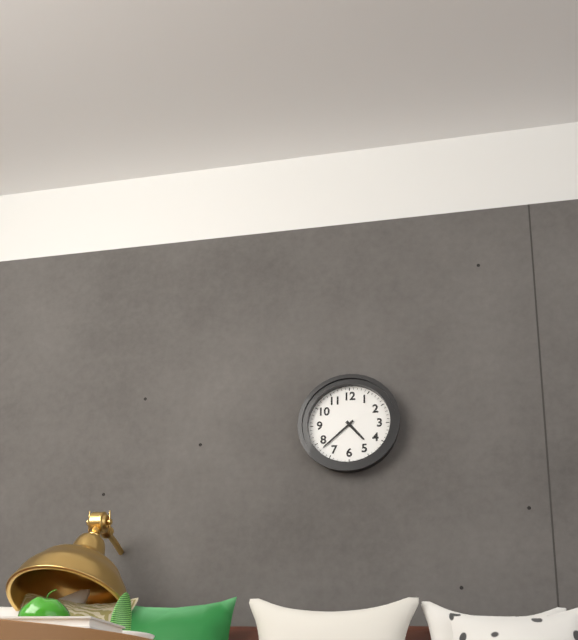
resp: 4,38
